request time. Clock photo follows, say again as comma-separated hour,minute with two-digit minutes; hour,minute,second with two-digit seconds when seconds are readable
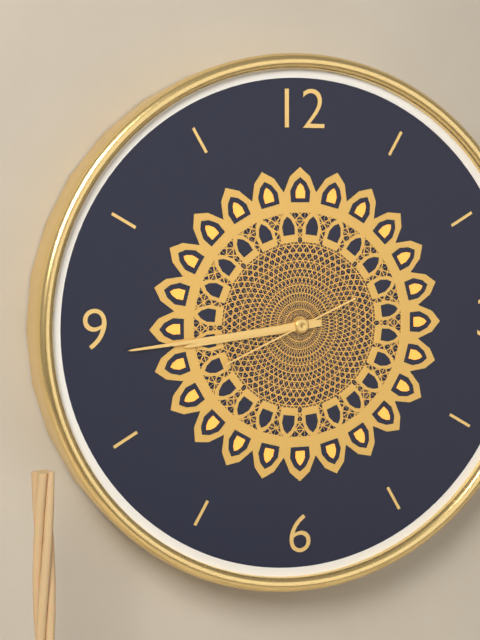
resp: 8,44,41
